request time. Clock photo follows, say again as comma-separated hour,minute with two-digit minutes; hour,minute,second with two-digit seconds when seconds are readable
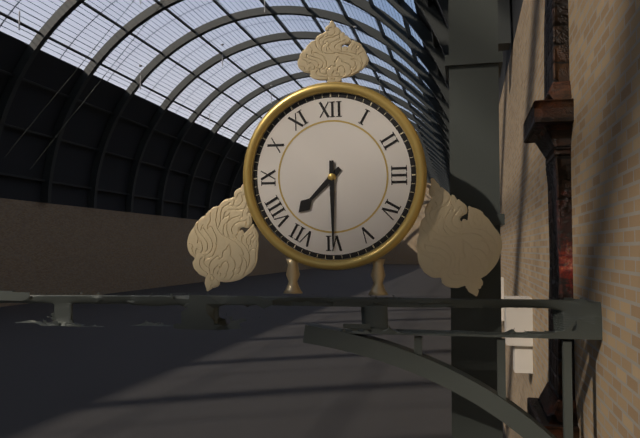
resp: 7,30
